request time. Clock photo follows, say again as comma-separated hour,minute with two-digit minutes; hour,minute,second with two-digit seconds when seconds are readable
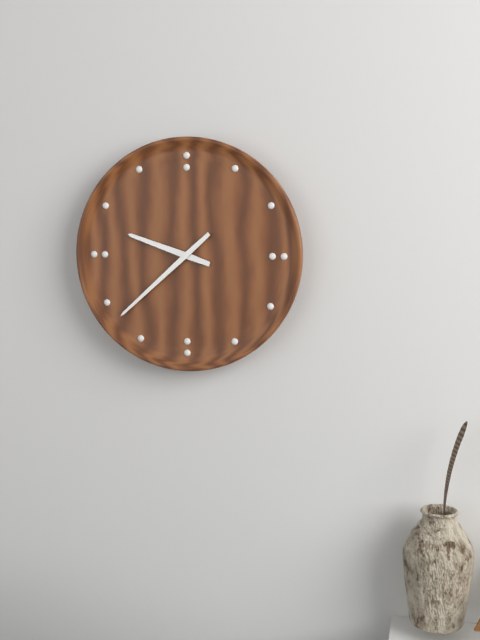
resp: 9,38
